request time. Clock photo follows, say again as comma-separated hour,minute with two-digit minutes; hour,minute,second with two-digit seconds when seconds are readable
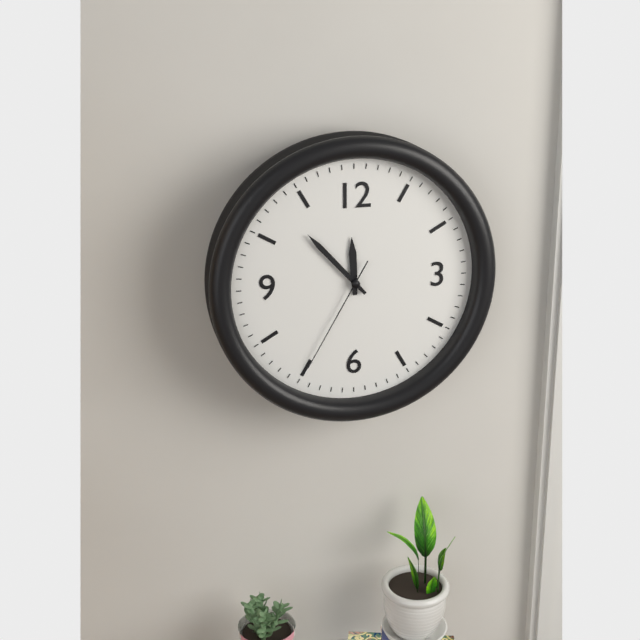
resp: 11,53,35
